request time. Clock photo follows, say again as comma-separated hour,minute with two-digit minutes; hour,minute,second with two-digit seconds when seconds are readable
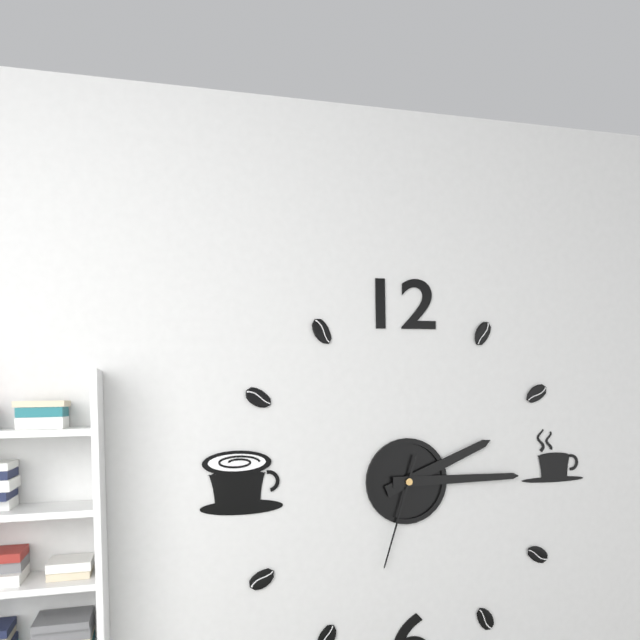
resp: 2,15,33
